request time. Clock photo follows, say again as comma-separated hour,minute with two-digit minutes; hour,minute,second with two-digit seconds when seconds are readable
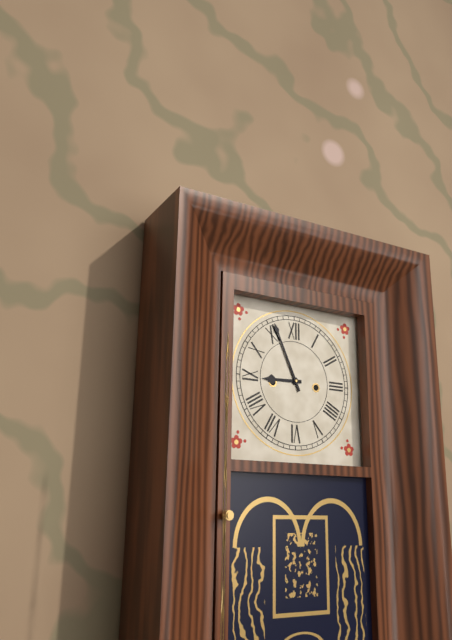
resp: 8,56
